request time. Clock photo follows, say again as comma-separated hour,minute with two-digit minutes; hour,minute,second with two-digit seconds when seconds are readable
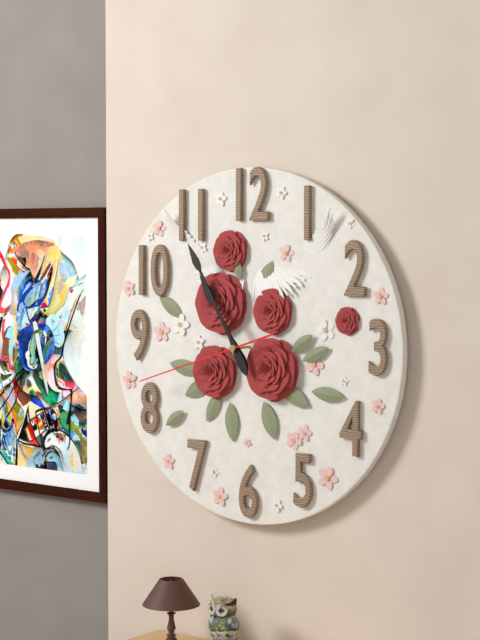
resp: 10,55,42
